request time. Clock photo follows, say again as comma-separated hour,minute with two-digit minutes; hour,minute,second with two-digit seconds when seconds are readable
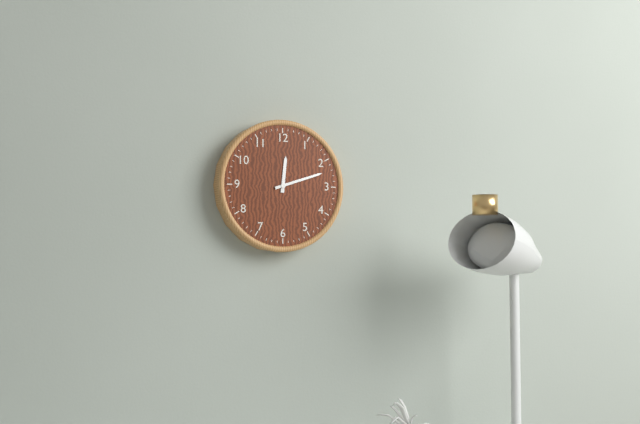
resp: 12,12
